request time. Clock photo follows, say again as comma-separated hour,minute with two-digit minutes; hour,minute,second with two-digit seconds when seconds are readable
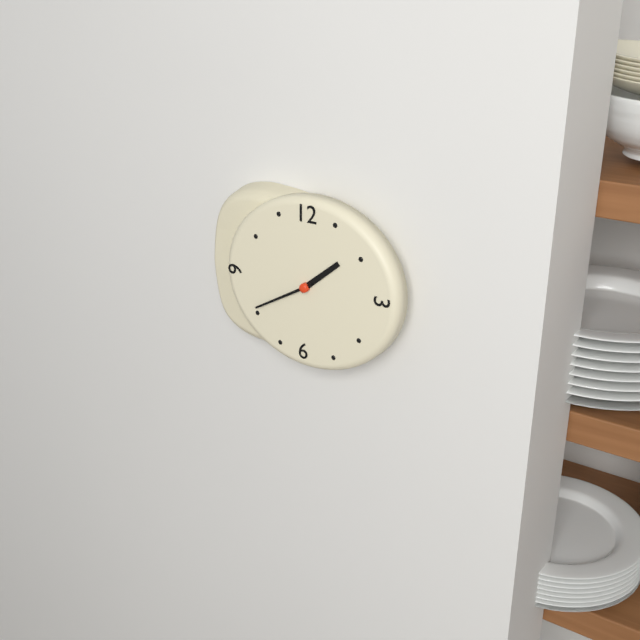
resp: 1,40
